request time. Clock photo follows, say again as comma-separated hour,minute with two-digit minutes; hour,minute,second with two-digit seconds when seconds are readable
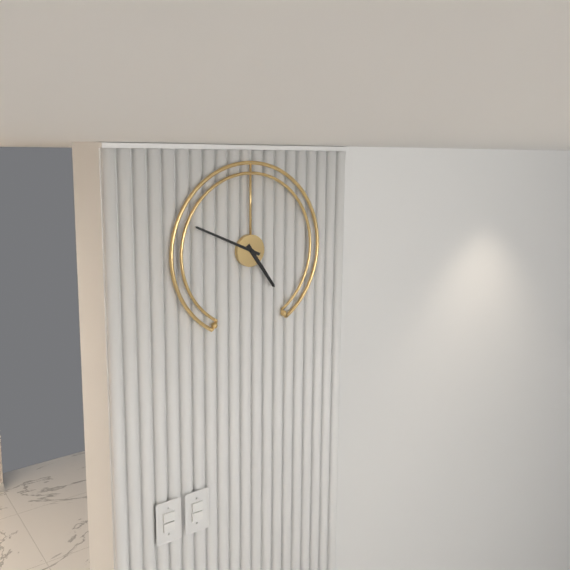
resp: 4,49
